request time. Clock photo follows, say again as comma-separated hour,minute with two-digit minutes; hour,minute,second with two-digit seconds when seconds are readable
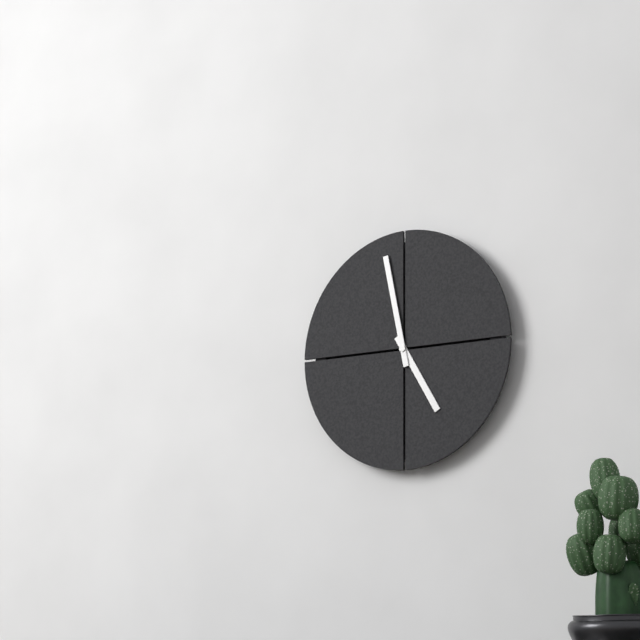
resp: 4,58
